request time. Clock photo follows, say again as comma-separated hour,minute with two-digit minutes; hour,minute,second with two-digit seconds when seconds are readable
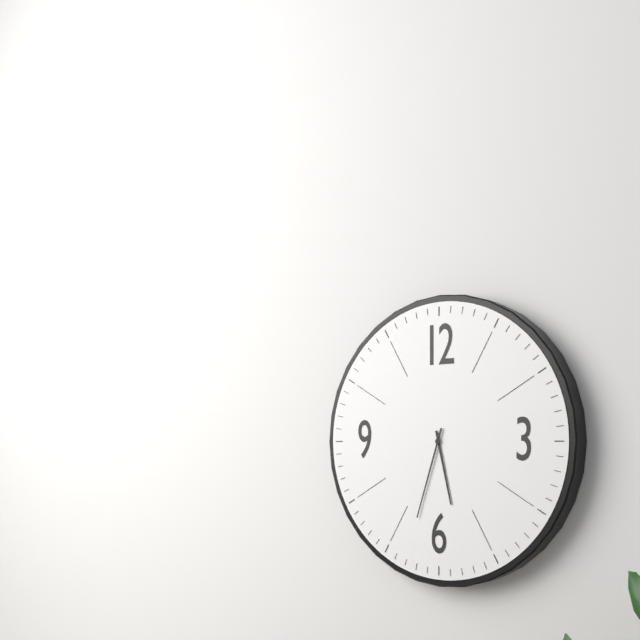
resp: 5,33
